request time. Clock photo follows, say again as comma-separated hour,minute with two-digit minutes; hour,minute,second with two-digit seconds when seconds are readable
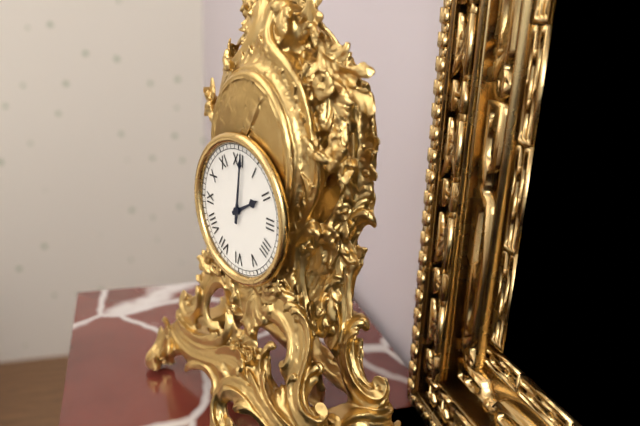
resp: 2,01
